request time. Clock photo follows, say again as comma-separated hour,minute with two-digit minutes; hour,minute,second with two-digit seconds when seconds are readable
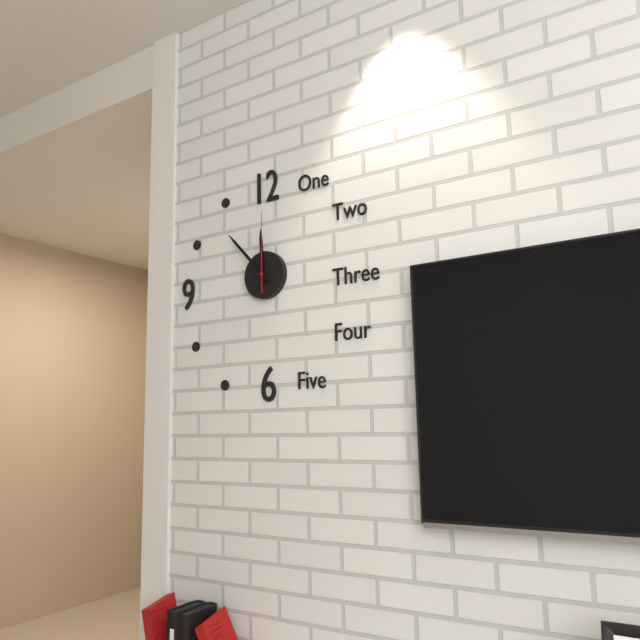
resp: 11,53,00
